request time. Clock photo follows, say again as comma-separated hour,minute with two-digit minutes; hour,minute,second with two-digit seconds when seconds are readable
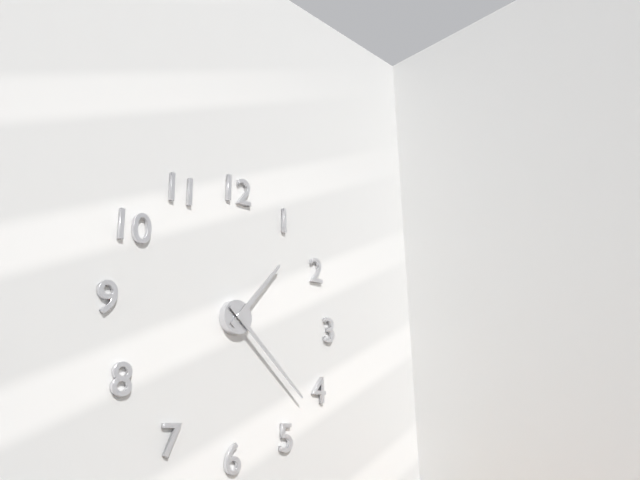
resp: 1,22
